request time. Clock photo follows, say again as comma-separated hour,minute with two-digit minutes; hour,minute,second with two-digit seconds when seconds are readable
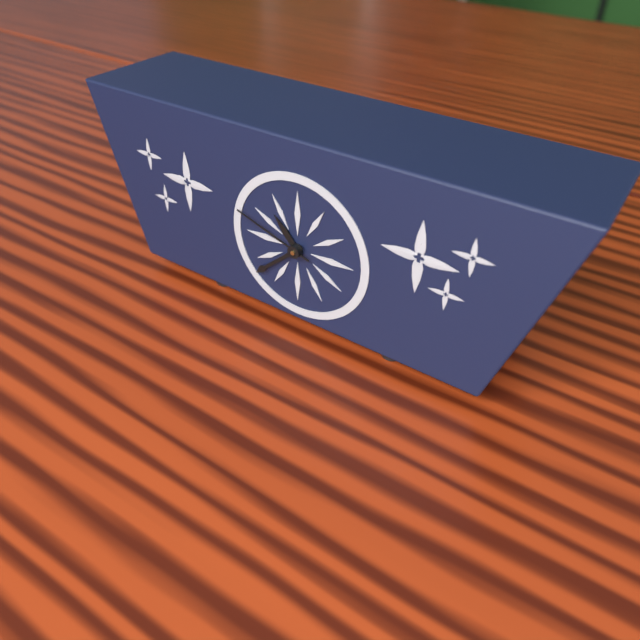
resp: 10,38,48
